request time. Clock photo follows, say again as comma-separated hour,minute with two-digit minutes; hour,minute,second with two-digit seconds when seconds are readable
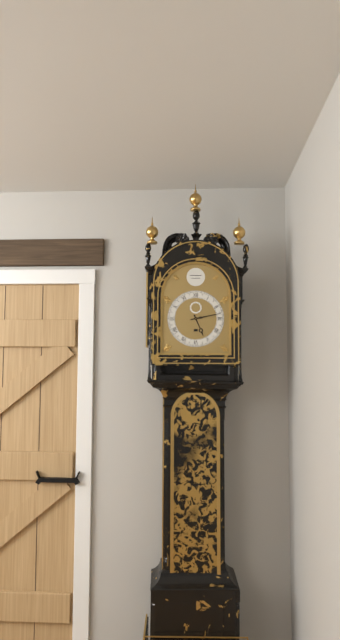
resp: 5,13
